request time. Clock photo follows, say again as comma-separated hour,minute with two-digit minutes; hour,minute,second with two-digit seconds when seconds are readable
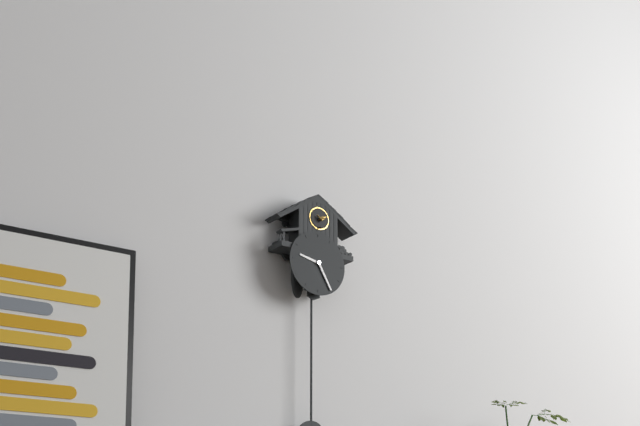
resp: 9,25
